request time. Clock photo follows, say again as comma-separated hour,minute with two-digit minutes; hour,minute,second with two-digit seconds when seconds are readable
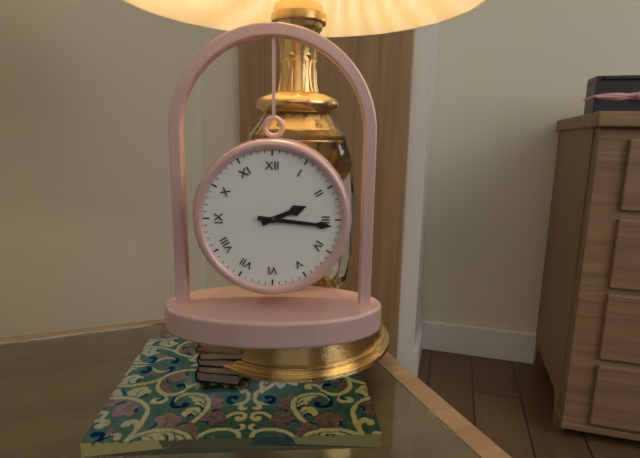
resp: 2,16
